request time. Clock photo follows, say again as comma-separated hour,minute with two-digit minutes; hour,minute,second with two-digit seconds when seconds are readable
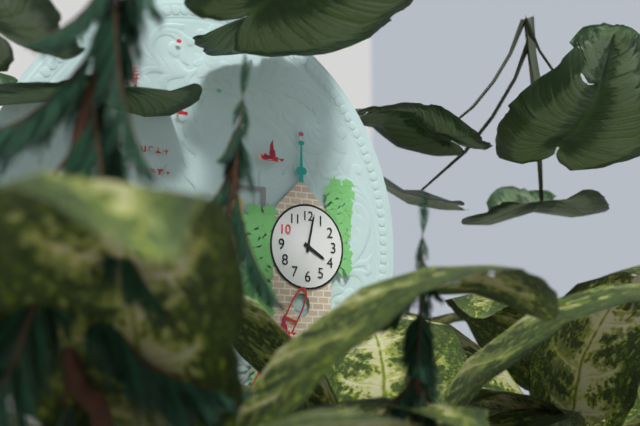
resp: 4,02
